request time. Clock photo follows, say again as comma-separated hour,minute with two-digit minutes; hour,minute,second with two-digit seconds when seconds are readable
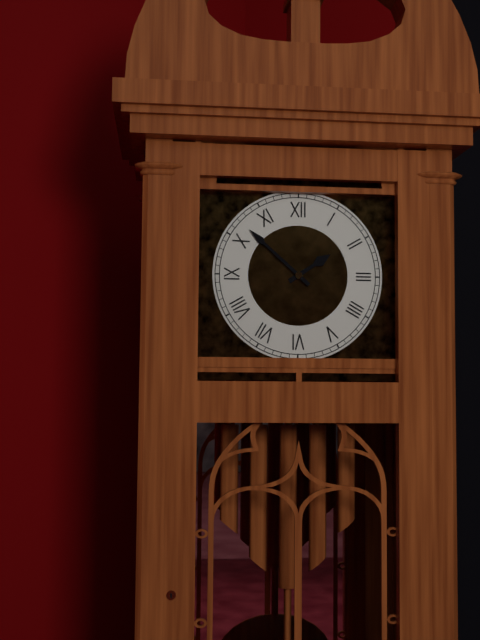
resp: 1,52
